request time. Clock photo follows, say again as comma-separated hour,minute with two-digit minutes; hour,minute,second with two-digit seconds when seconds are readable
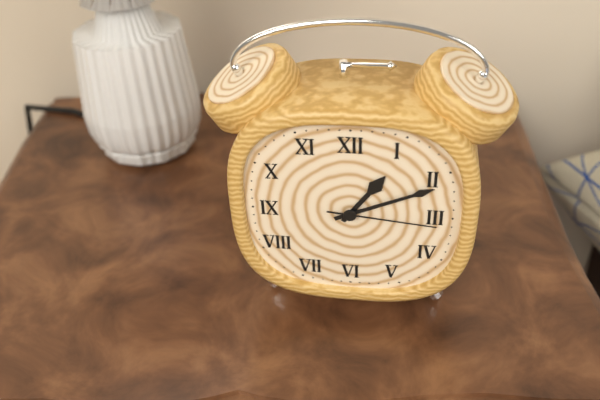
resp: 1,11,16
